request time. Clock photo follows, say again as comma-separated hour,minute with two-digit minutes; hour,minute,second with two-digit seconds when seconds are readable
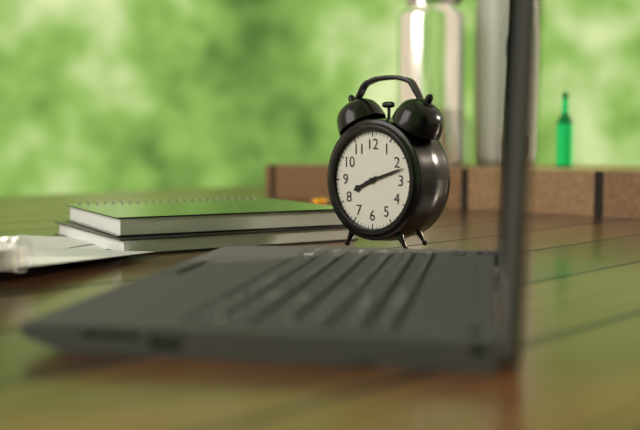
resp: 8,12
